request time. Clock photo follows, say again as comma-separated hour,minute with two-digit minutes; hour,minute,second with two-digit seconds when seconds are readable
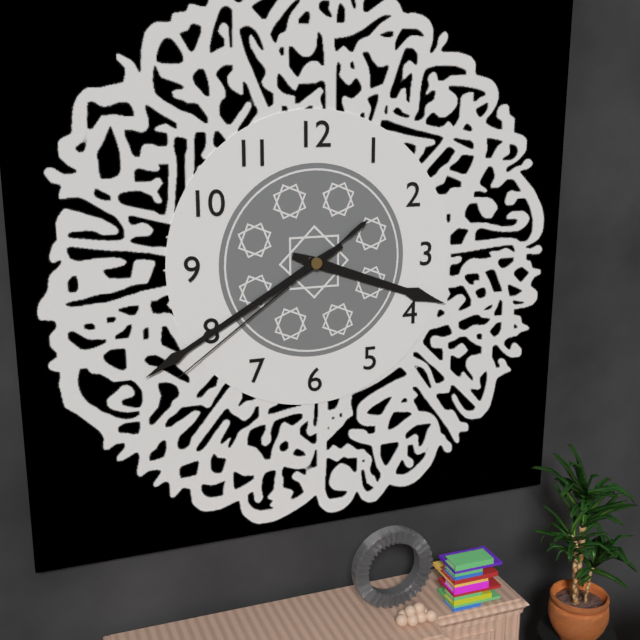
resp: 3,40,39
